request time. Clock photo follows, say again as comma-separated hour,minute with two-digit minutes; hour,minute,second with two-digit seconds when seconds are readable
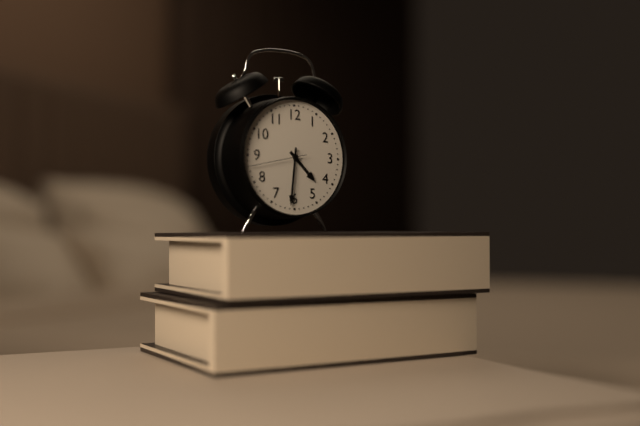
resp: 4,31
